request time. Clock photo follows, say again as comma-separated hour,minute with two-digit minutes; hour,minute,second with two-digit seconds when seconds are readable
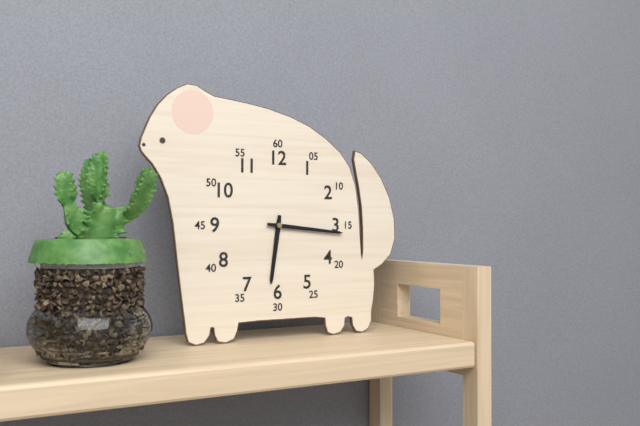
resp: 6,16
